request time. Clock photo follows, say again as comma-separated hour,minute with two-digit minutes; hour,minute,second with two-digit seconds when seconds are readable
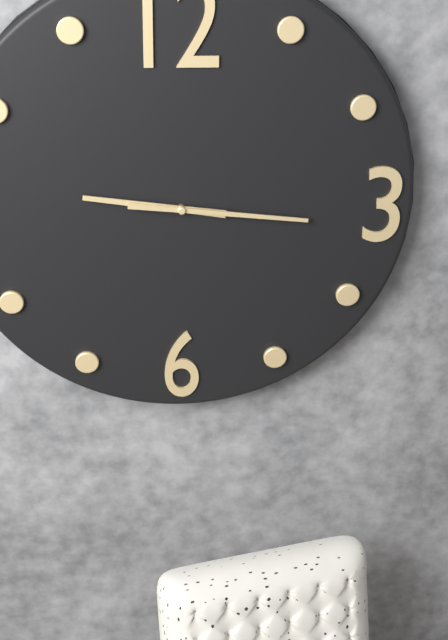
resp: 9,16
